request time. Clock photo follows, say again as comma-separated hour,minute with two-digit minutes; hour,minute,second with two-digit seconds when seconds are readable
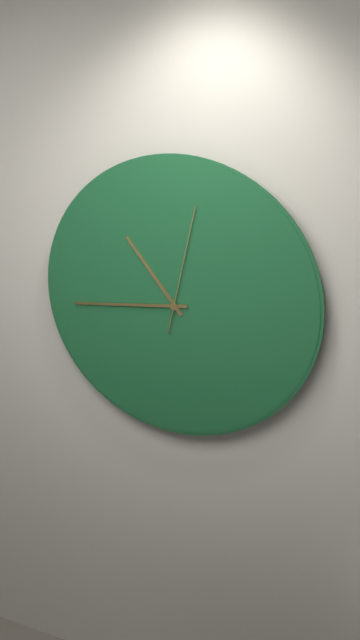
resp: 10,44,02
